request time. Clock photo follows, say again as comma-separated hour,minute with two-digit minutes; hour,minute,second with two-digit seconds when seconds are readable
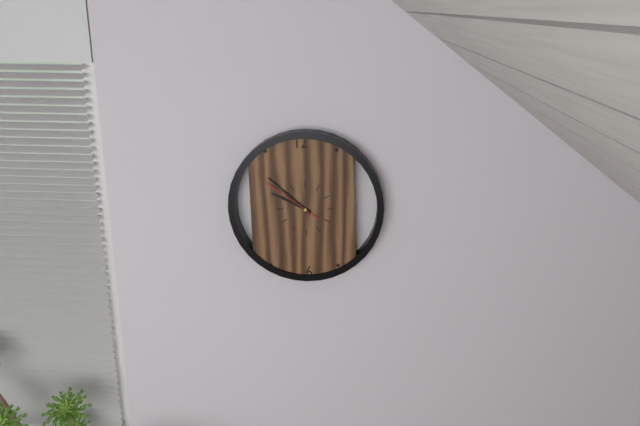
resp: 9,52,51
